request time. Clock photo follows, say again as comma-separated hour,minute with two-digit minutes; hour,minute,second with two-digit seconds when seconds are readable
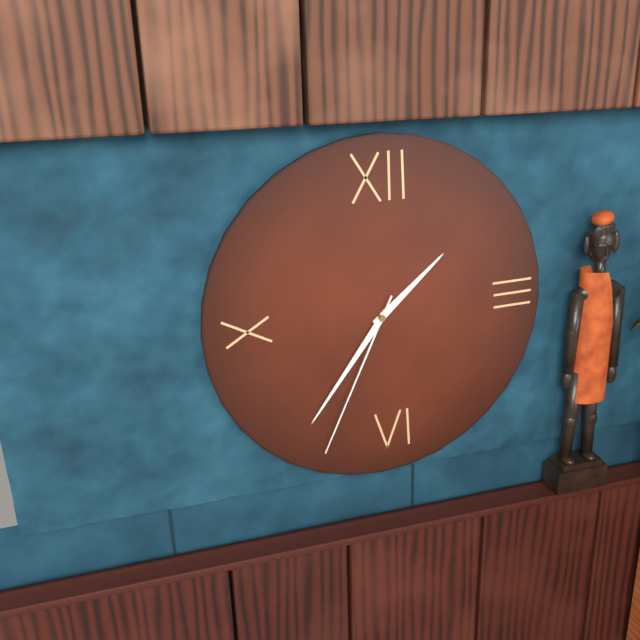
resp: 1,36,34
